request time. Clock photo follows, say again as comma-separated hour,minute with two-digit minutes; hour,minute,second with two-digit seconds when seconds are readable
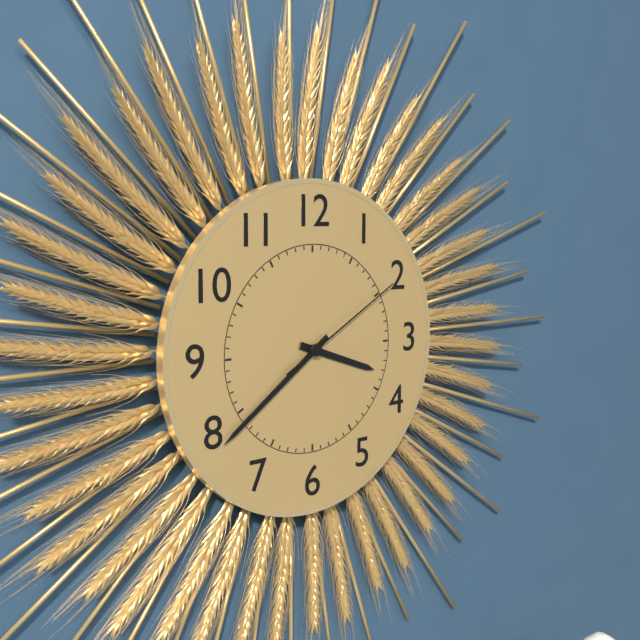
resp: 3,39,10
